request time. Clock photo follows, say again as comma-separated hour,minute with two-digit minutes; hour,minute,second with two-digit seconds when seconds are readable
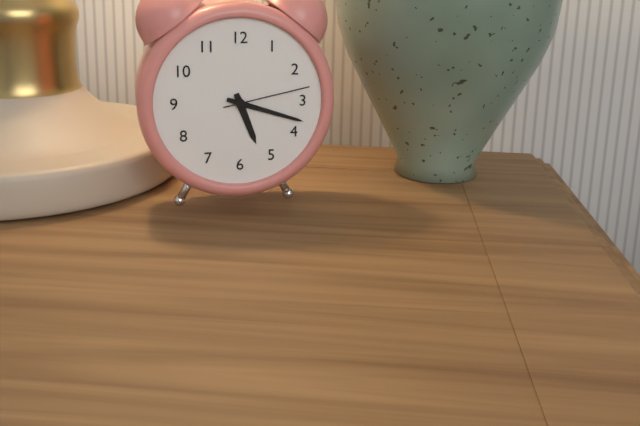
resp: 5,18,13
